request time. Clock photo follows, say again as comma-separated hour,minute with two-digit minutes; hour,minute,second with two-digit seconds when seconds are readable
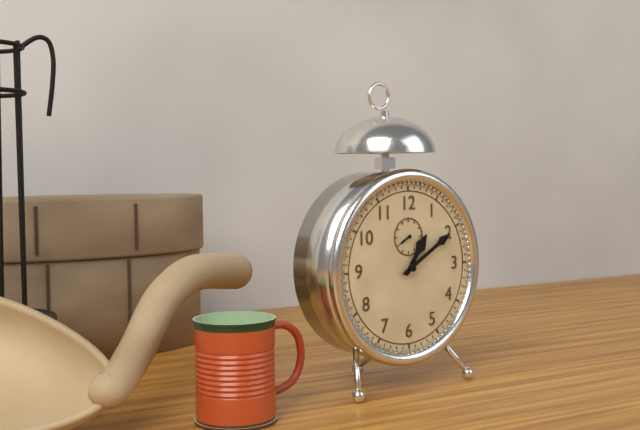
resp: 1,10
